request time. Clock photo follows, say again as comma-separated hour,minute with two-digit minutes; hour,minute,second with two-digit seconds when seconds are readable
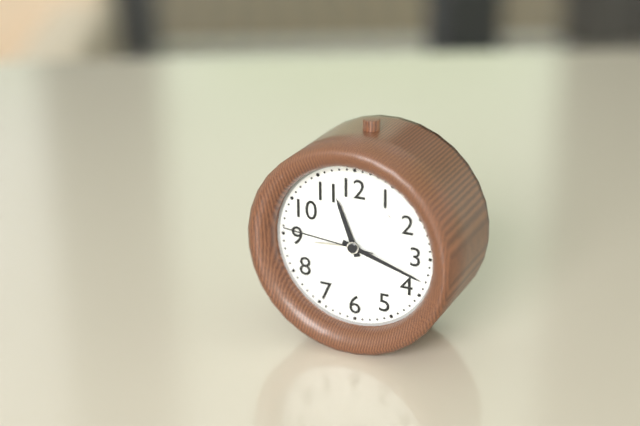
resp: 11,18,46
